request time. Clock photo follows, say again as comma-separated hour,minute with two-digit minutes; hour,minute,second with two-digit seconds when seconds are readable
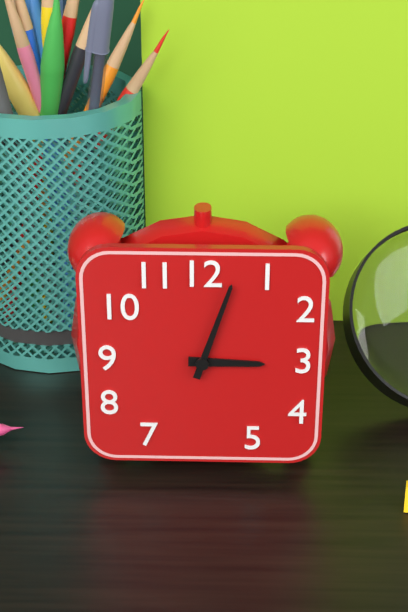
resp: 3,03
